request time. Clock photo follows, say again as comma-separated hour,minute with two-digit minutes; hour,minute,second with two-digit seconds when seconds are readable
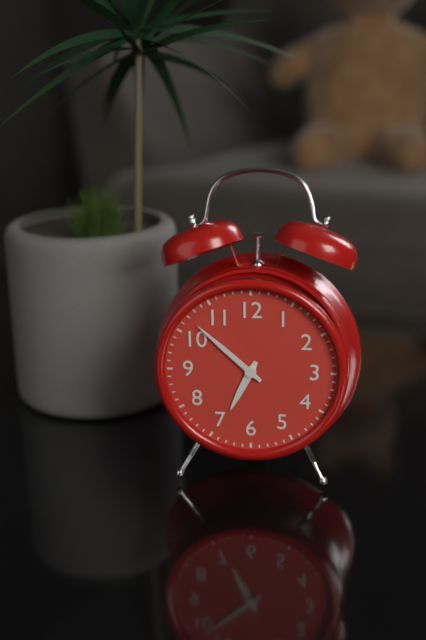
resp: 6,52
